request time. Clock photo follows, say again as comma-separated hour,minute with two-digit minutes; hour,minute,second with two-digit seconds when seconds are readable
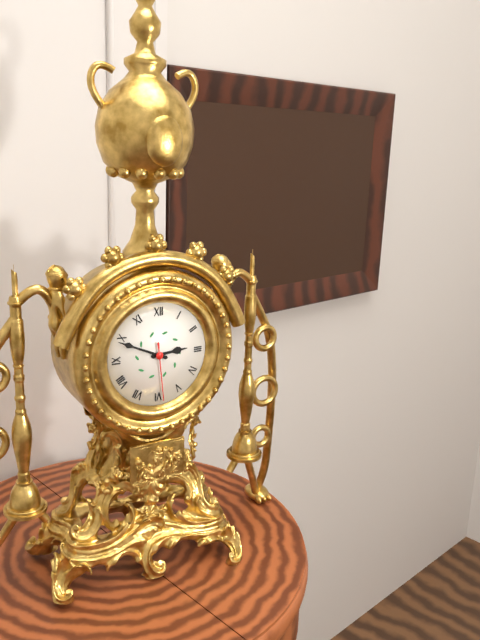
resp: 2,49,29
